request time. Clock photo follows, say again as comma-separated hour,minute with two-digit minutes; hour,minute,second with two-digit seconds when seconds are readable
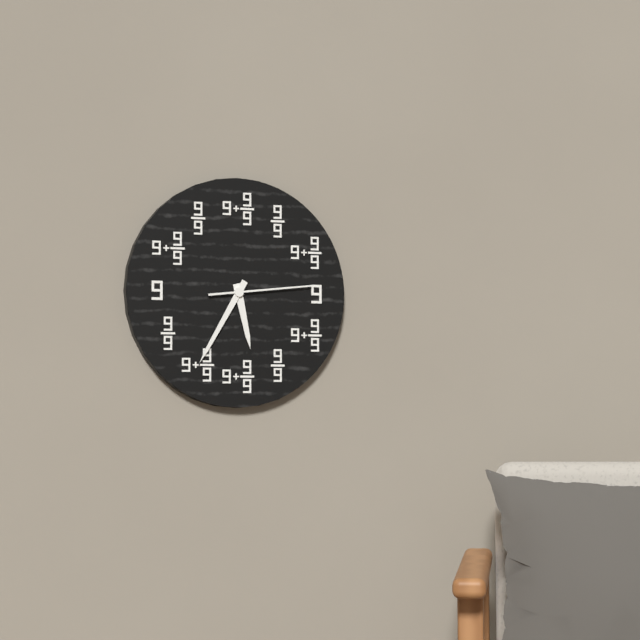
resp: 5,35,14
